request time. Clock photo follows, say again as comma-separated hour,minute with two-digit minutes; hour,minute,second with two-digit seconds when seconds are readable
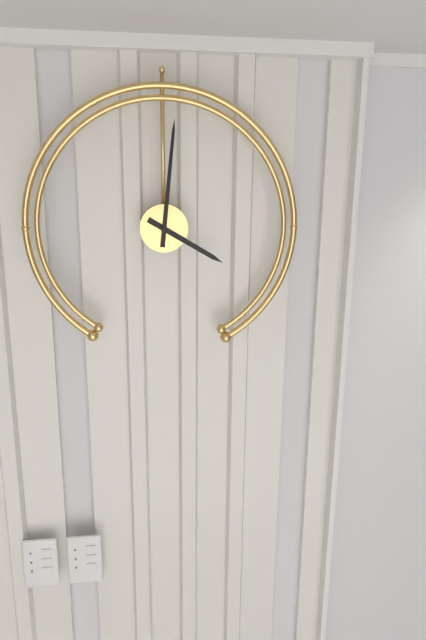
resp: 4,01
